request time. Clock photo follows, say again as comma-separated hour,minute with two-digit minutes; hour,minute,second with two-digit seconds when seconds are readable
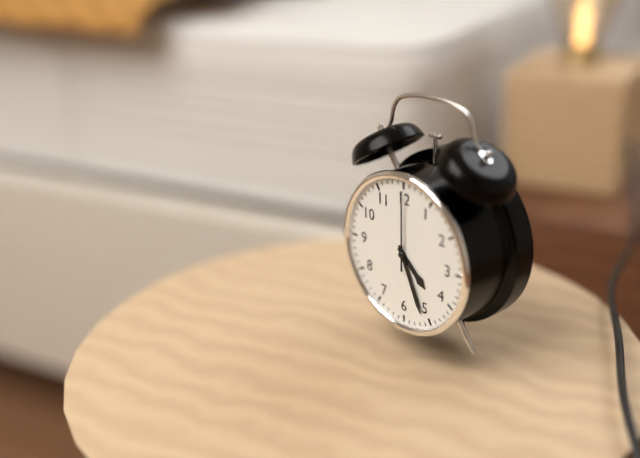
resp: 4,26,00
